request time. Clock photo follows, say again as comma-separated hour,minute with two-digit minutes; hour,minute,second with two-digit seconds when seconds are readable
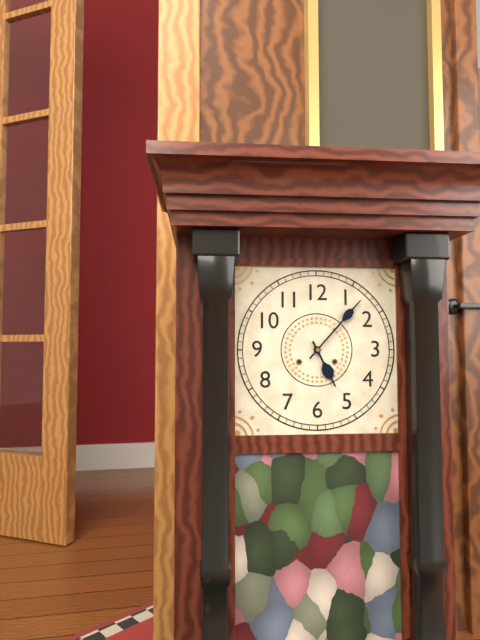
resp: 5,07
